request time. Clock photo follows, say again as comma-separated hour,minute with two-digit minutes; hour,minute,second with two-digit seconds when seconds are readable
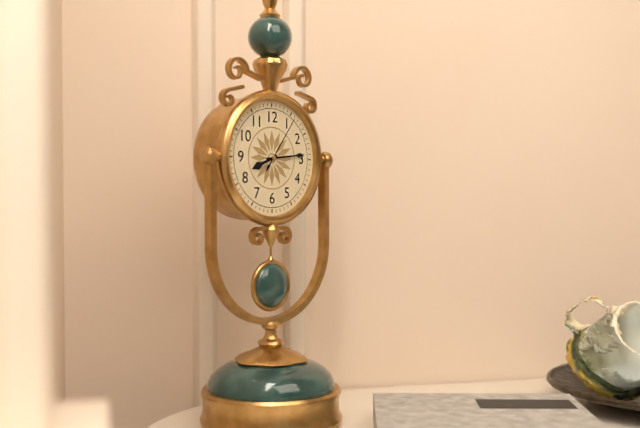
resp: 8,14,06
